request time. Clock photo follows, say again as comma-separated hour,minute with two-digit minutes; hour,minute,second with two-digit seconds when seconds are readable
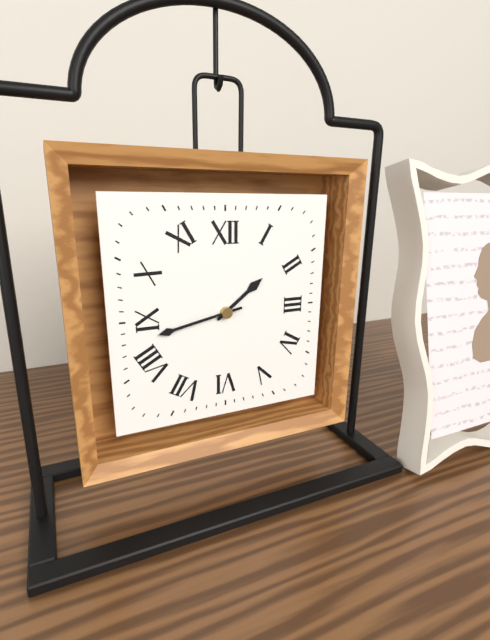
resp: 1,43
